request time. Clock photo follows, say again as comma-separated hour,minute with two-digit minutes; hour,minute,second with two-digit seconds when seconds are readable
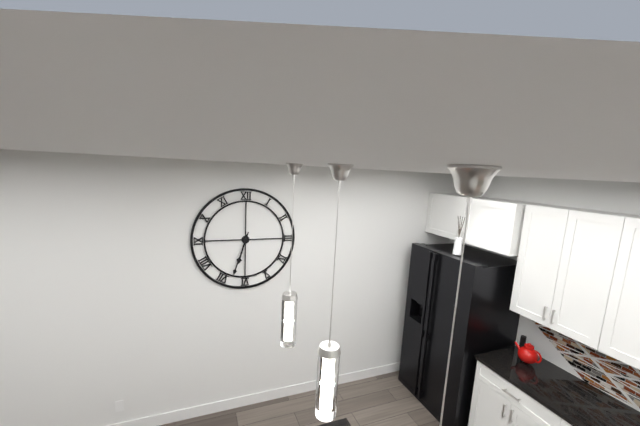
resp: 6,33
